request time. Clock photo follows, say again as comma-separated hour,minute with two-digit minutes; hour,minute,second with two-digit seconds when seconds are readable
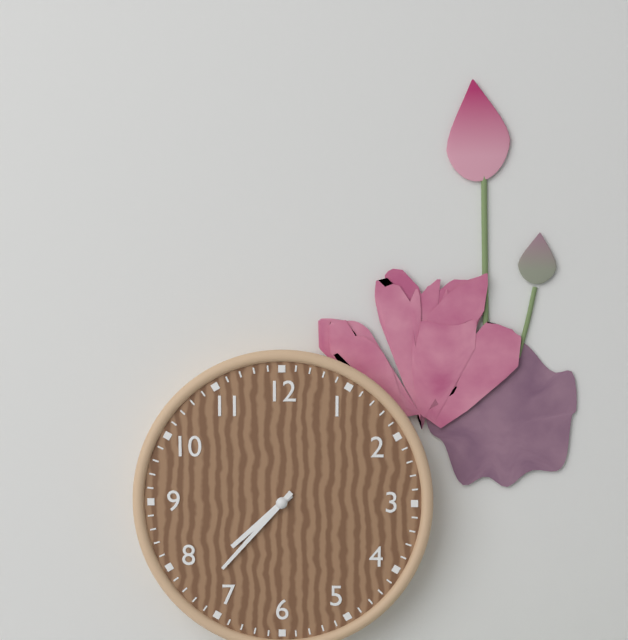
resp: 7,37
